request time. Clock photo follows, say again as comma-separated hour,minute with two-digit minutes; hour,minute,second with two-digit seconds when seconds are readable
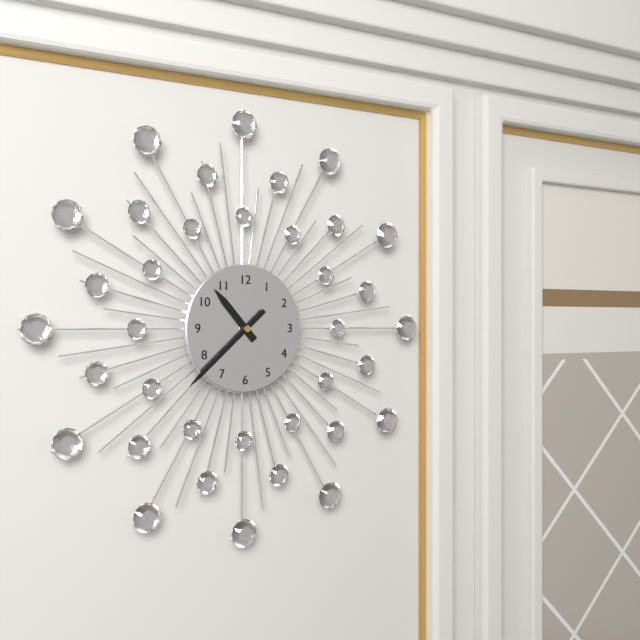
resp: 10,38
